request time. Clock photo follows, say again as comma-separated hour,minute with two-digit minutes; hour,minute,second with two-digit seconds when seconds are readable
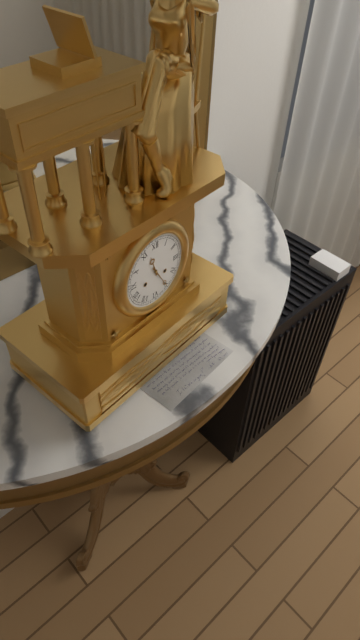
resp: 11,25
